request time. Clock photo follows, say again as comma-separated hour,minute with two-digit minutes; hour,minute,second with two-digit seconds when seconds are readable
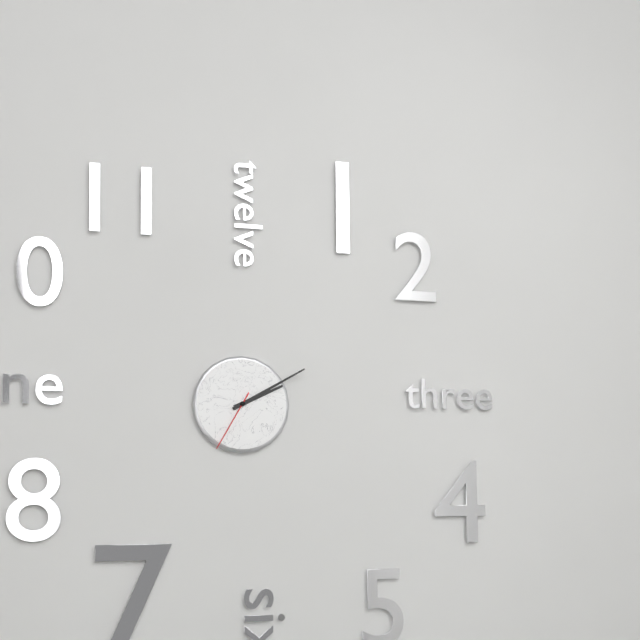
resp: 2,10,35
